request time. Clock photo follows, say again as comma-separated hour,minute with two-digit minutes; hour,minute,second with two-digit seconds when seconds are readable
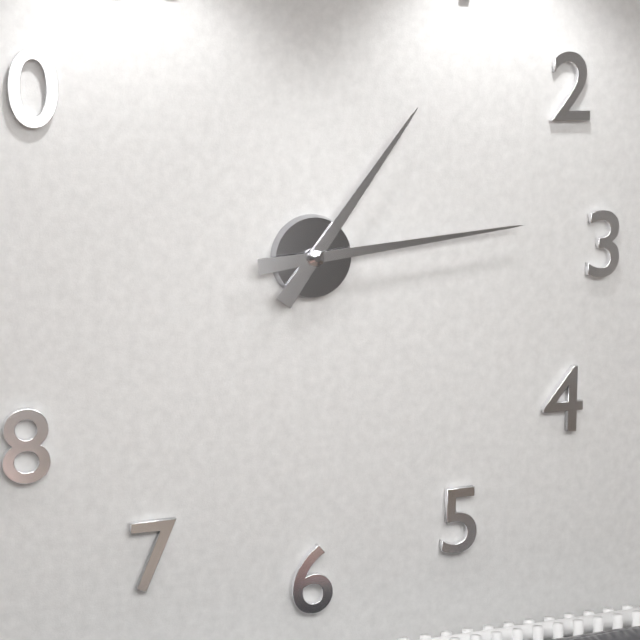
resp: 1,14
